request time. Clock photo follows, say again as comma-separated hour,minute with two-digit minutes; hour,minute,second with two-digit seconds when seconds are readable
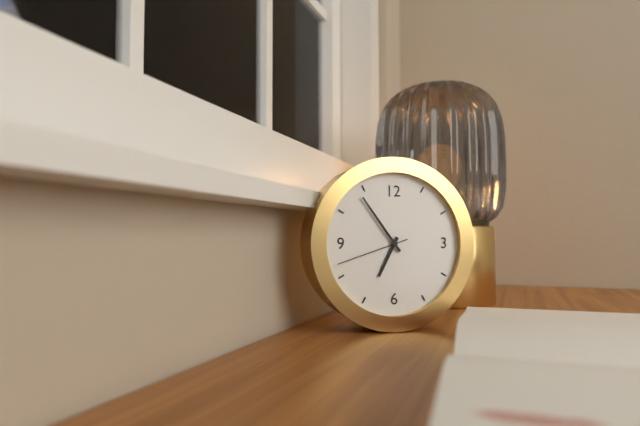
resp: 6,54,42
